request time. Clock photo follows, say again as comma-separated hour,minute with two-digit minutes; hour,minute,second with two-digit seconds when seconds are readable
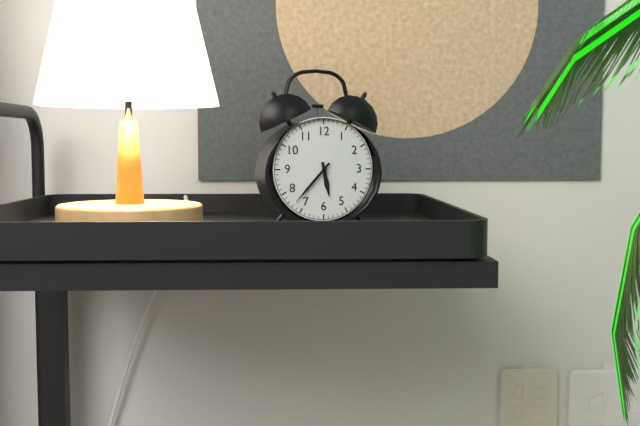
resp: 5,37
